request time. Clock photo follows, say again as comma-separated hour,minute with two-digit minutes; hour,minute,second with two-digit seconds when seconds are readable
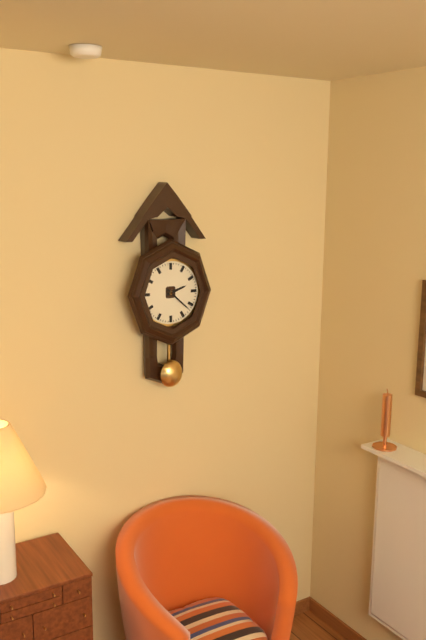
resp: 2,22
